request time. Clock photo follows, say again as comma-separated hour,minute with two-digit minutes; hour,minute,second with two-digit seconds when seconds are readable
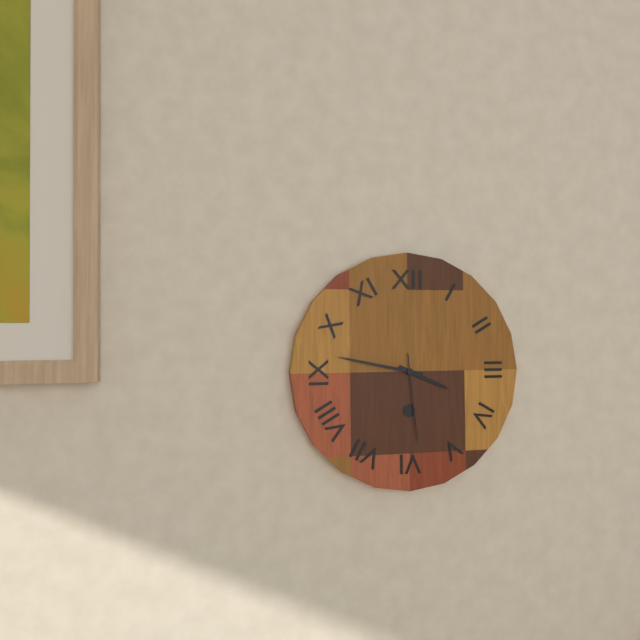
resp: 3,47,29
